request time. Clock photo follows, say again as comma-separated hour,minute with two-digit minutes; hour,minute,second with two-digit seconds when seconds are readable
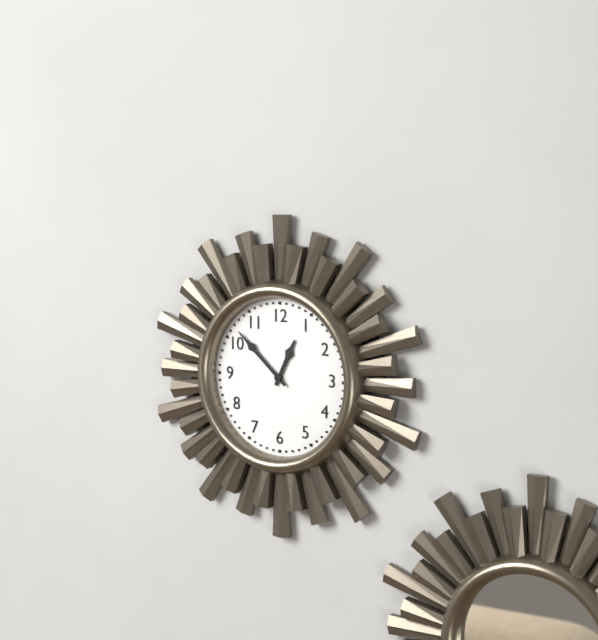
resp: 12,52
